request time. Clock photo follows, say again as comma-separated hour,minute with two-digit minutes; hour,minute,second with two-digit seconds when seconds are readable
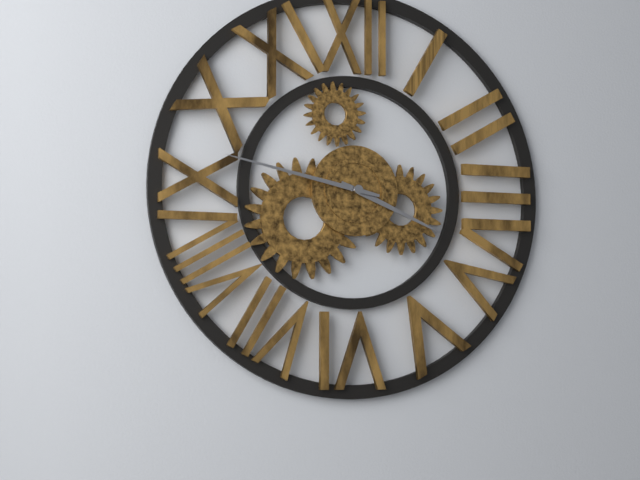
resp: 3,47
